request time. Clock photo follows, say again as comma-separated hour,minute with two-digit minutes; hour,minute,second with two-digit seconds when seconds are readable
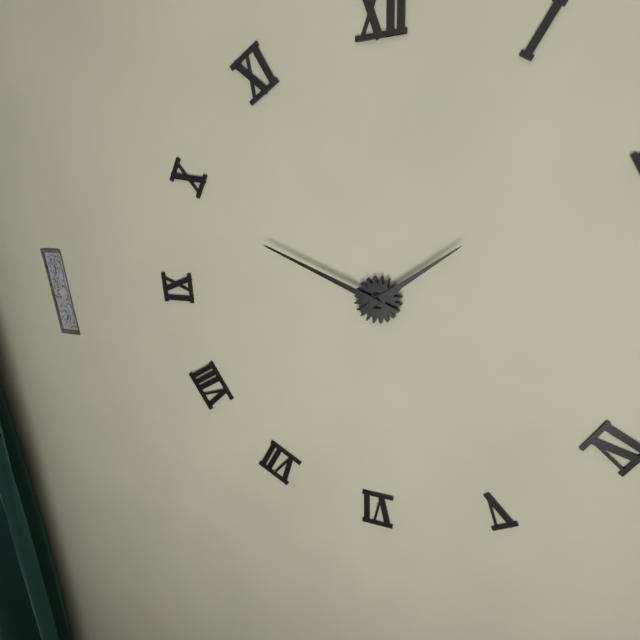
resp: 1,49
